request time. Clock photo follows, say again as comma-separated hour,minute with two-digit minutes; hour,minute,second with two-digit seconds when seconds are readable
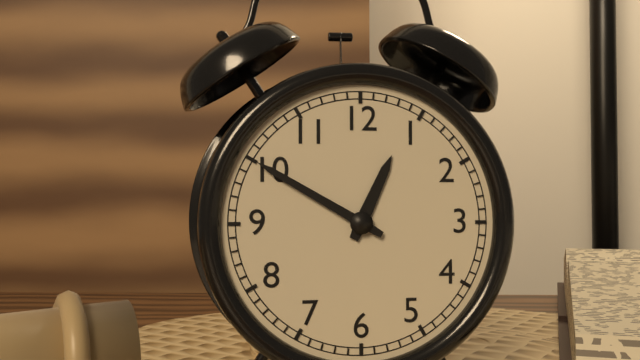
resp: 12,50
